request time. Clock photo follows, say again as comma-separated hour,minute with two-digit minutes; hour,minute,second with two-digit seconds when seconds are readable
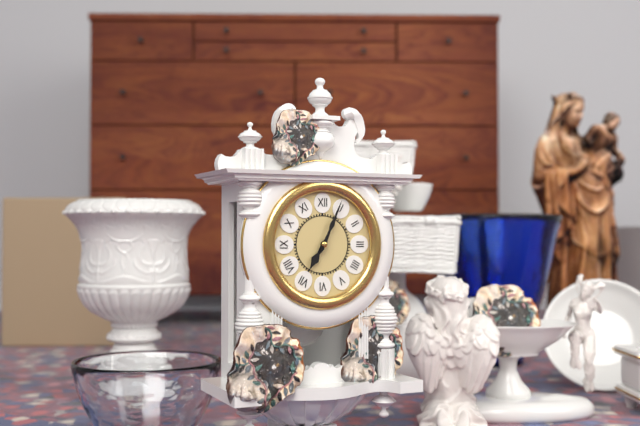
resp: 7,04
